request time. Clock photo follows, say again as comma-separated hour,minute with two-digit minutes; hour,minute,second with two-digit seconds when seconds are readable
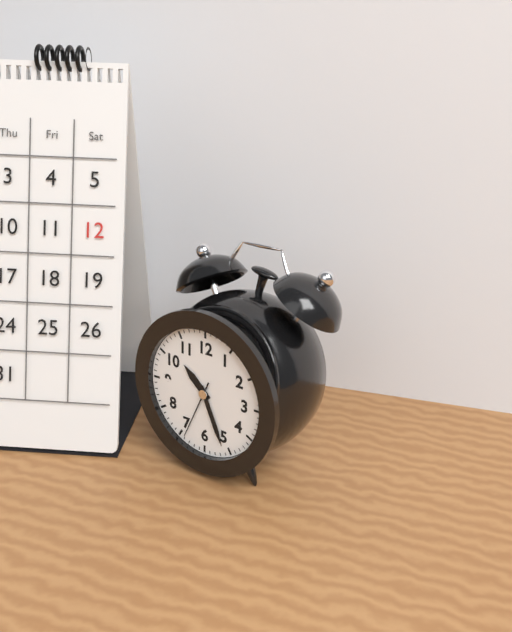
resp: 10,26,34
